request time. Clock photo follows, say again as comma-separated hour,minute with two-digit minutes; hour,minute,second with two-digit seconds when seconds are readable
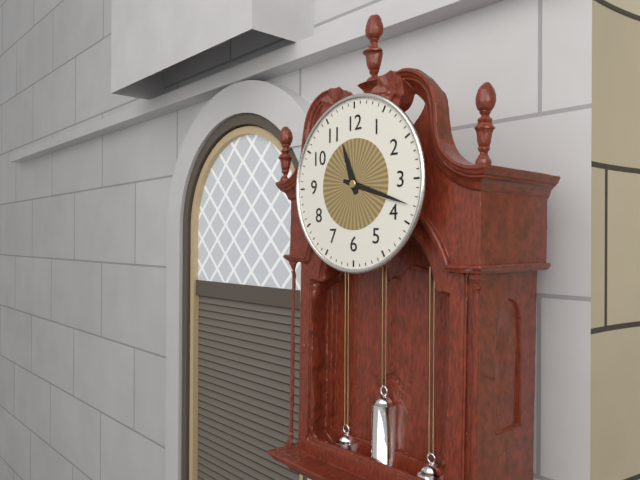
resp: 11,18
